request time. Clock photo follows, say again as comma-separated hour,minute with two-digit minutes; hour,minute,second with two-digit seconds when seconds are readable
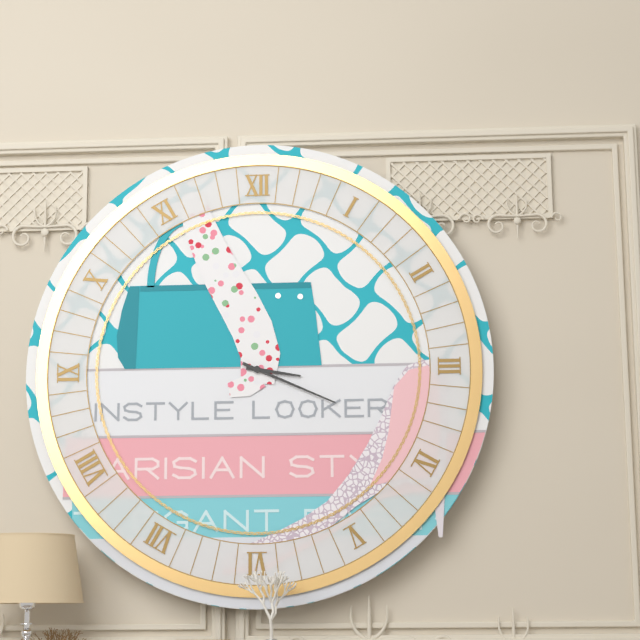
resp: 3,19
